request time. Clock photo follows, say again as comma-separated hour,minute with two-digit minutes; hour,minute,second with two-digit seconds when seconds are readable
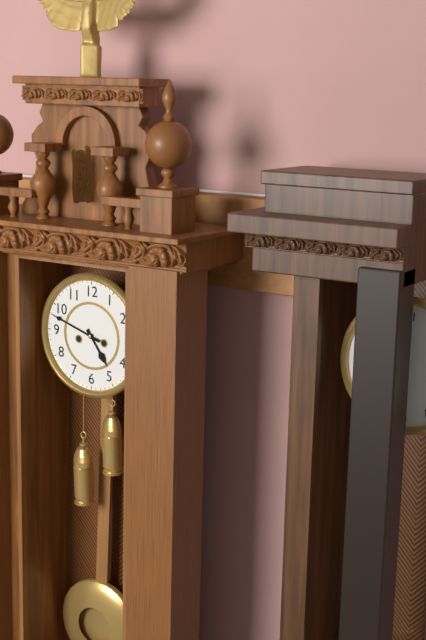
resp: 4,48
